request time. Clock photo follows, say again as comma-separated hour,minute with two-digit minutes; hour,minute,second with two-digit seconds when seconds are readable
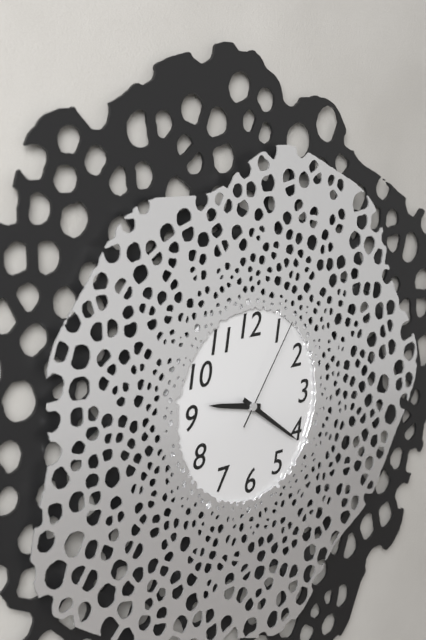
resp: 9,21,06
